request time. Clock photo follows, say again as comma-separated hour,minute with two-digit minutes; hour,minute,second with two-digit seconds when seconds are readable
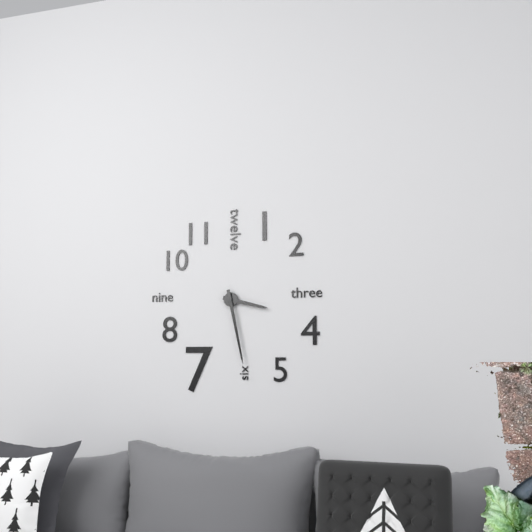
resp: 3,28
